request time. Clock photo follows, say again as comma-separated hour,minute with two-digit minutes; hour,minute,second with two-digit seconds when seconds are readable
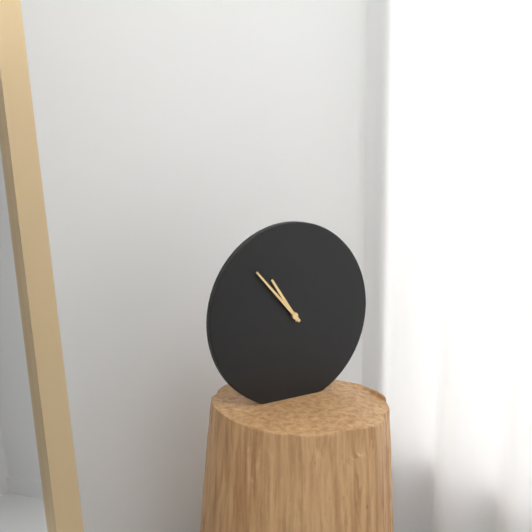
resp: 10,53
